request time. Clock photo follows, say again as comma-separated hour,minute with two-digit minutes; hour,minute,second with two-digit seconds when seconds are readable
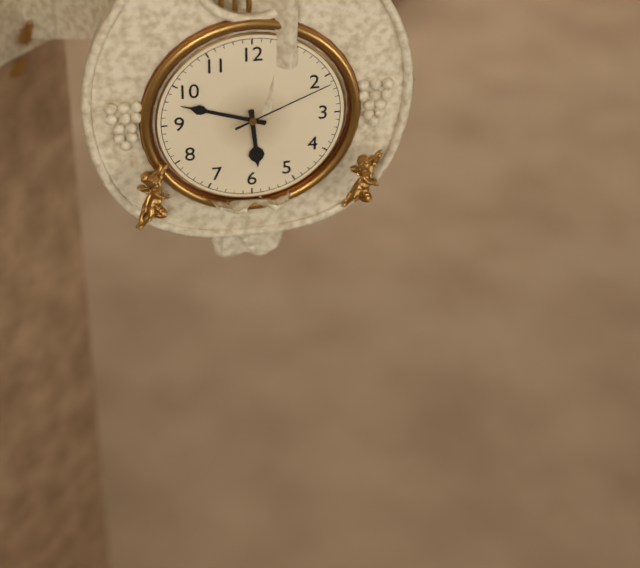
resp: 5,48,11
